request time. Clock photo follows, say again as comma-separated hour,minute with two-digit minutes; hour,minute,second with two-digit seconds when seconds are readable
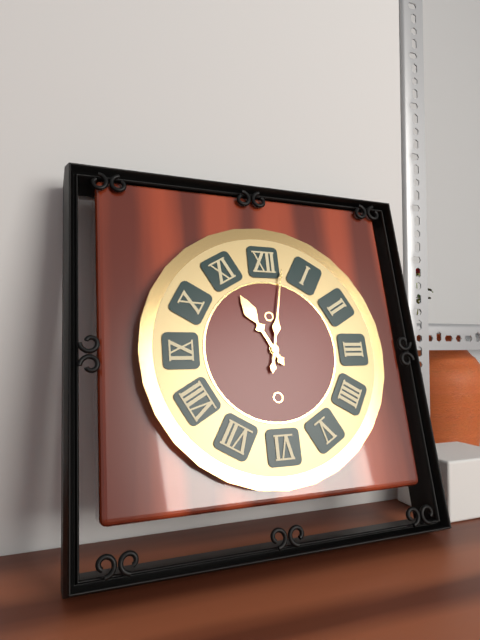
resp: 11,02
